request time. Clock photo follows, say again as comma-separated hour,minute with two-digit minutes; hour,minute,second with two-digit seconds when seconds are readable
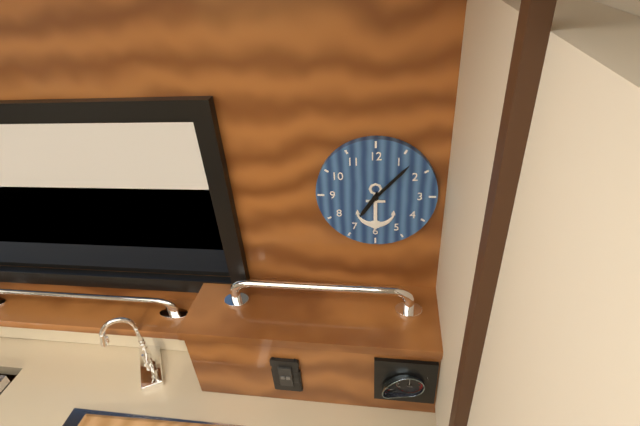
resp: 7,07
